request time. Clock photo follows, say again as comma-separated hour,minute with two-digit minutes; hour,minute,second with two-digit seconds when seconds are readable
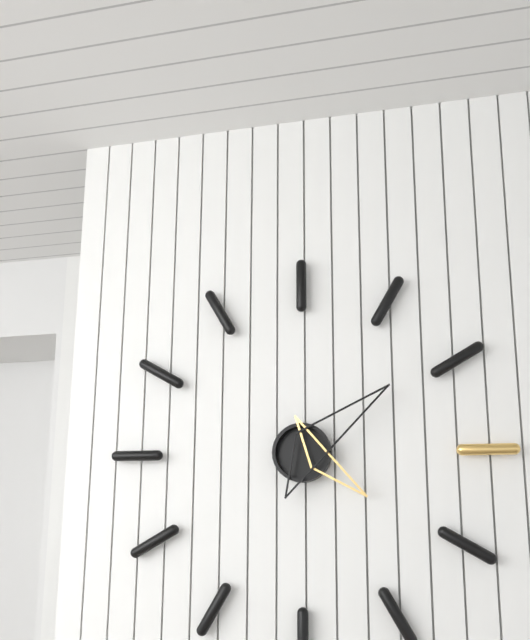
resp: 4,09
